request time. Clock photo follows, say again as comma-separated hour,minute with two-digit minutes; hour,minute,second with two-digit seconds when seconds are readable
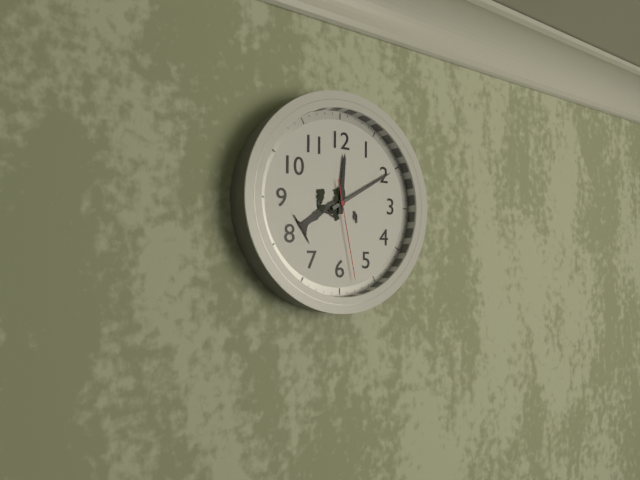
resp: 12,10,28
